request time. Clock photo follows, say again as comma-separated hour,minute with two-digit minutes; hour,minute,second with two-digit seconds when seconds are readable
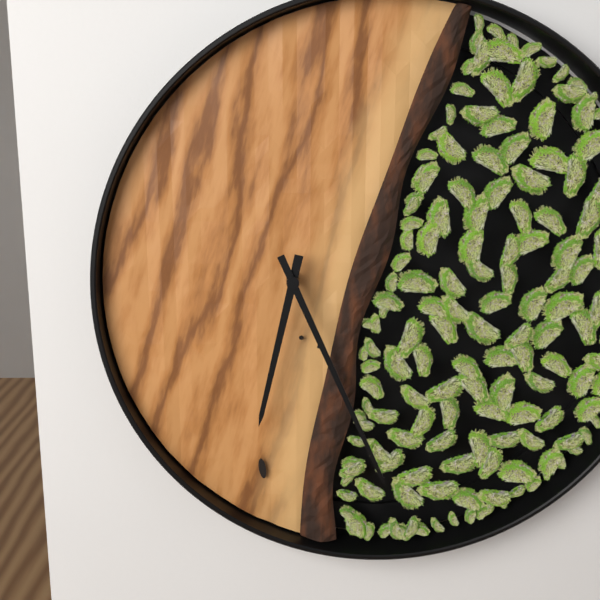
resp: 6,26
